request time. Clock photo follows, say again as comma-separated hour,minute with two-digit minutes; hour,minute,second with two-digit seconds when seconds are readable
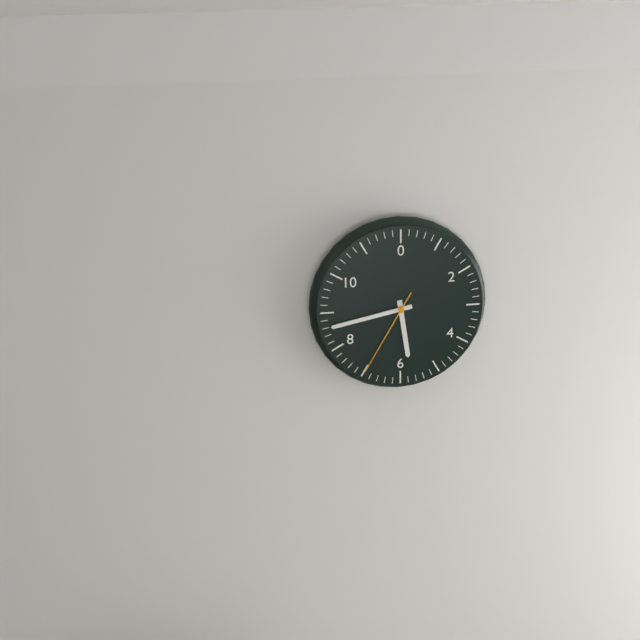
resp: 5,43,35
